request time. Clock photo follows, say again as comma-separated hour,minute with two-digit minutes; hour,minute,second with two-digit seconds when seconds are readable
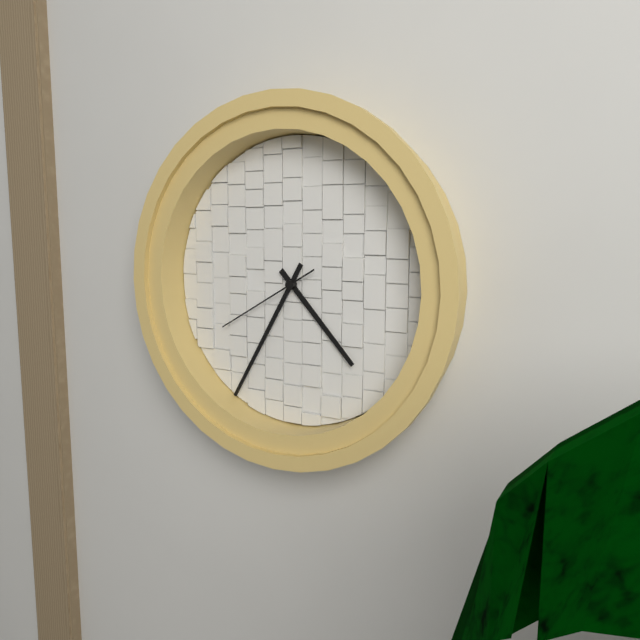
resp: 4,35,40
